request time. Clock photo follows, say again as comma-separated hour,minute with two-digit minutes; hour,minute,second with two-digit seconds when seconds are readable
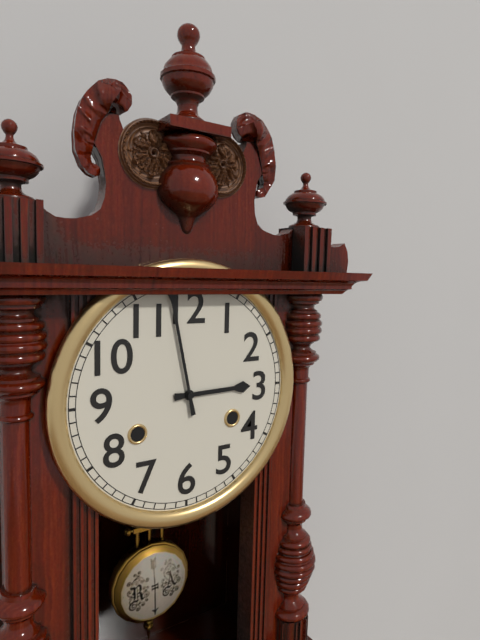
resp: 2,58
